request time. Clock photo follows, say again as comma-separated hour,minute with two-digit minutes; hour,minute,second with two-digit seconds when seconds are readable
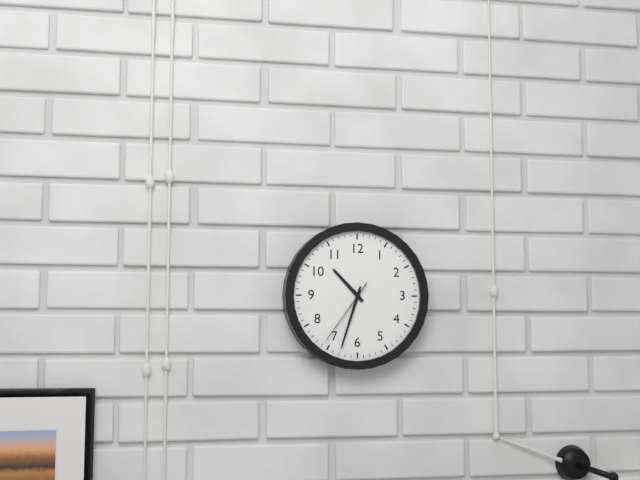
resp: 10,33,36
